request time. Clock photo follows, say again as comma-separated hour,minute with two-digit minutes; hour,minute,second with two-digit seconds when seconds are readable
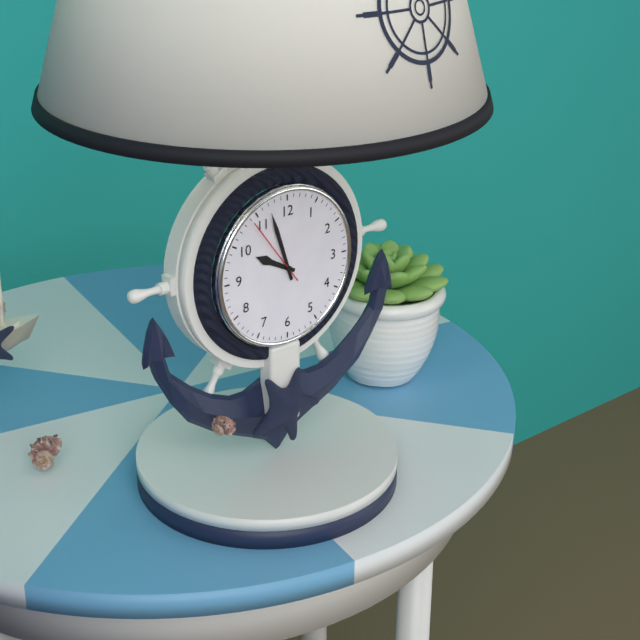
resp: 9,57,54
